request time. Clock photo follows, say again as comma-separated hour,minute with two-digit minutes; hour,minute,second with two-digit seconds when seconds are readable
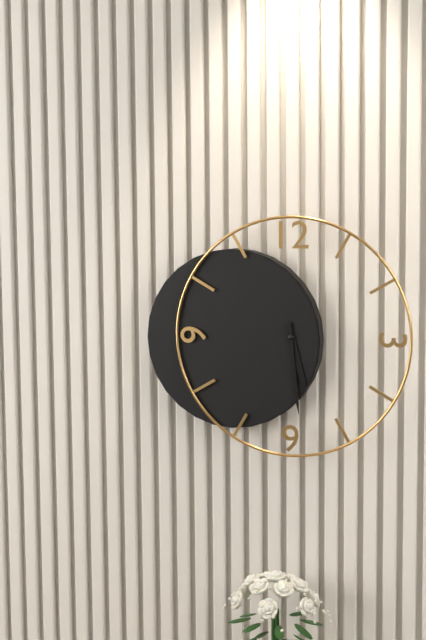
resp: 5,29
